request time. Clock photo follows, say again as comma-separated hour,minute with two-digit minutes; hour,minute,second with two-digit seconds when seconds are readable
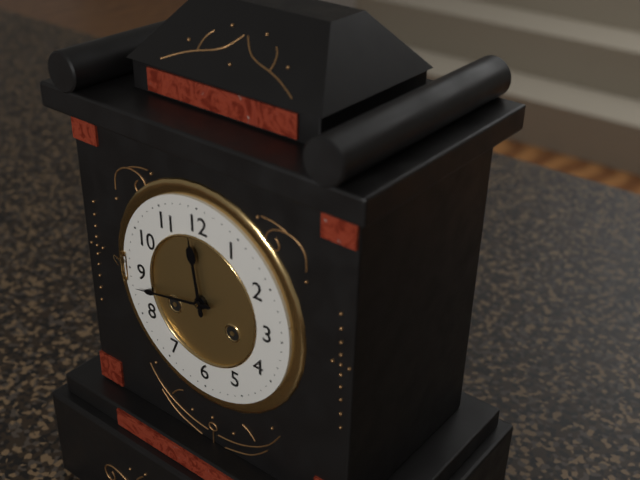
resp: 11,43
